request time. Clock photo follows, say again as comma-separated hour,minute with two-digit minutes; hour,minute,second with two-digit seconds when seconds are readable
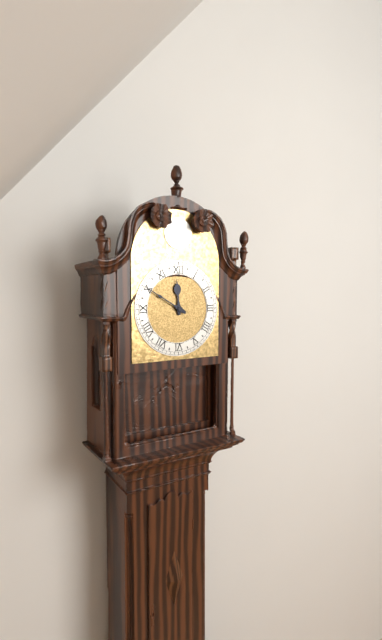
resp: 11,50
